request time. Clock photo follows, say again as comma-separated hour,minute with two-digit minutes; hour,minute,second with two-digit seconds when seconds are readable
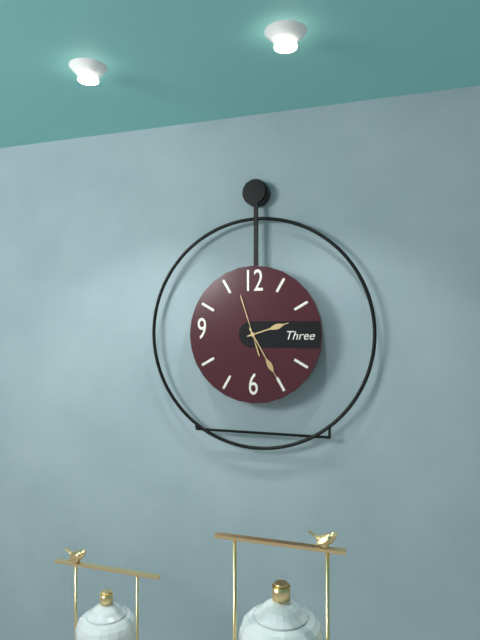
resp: 2,25,57
